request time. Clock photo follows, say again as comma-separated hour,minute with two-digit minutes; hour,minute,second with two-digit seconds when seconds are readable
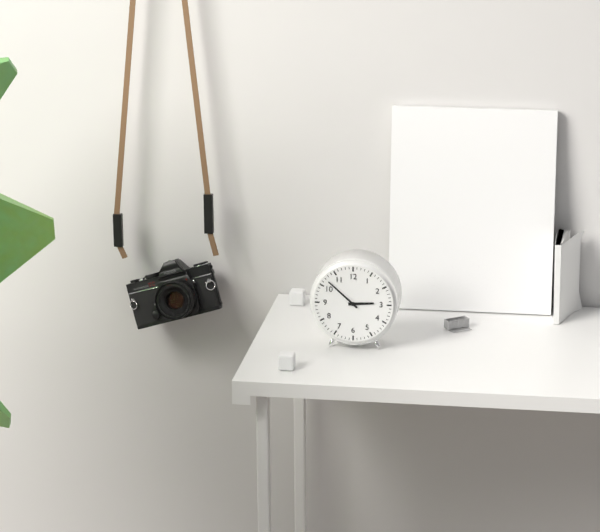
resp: 2,52
